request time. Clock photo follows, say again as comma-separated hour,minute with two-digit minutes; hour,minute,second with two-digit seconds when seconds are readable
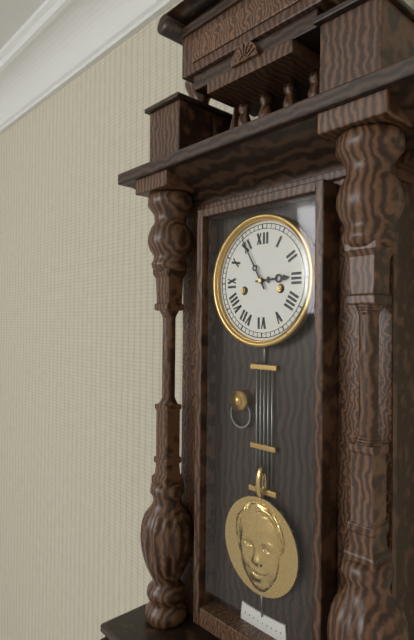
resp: 2,55
